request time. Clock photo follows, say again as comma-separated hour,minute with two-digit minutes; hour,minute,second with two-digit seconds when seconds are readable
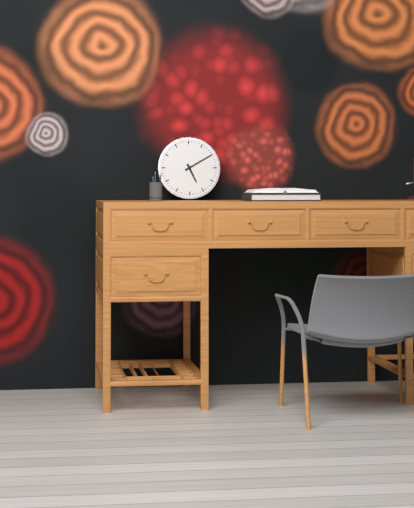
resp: 5,10
